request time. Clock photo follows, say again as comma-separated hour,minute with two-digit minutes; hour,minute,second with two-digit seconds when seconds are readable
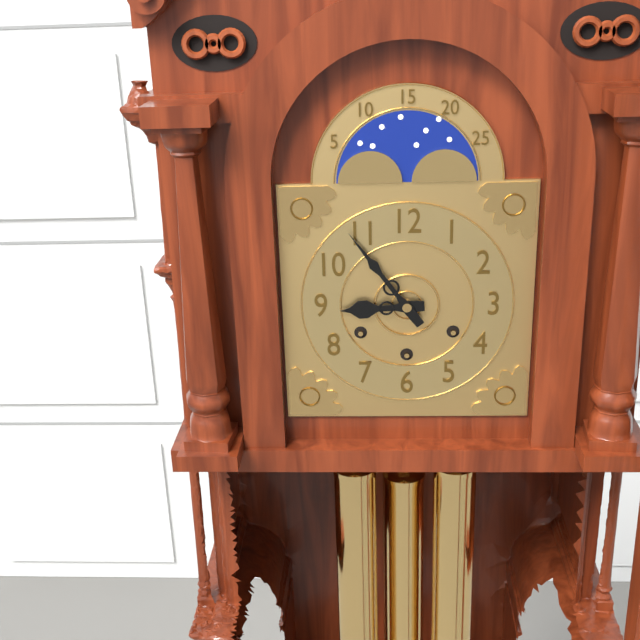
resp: 8,54
